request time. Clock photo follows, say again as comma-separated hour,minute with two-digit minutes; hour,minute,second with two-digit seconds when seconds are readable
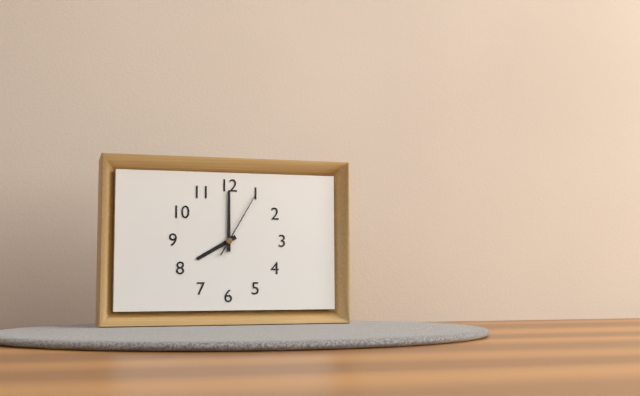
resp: 8,00,05
